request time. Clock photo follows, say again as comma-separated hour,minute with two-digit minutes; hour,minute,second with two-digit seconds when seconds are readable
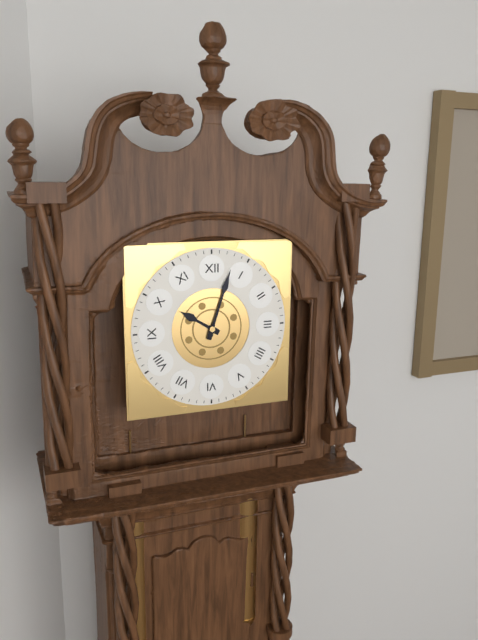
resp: 10,03
